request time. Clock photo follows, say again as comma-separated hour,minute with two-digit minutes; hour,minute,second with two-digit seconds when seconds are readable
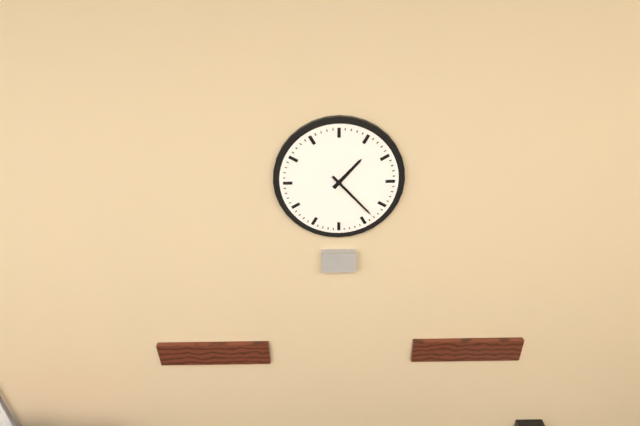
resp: 1,23
